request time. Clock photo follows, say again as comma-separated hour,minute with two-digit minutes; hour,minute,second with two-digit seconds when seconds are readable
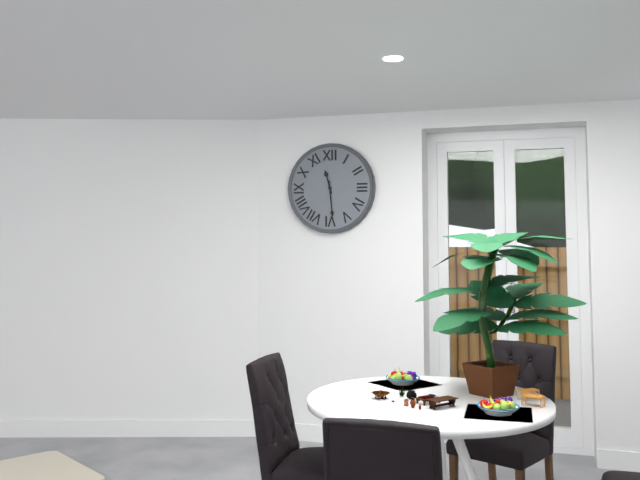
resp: 11,29
